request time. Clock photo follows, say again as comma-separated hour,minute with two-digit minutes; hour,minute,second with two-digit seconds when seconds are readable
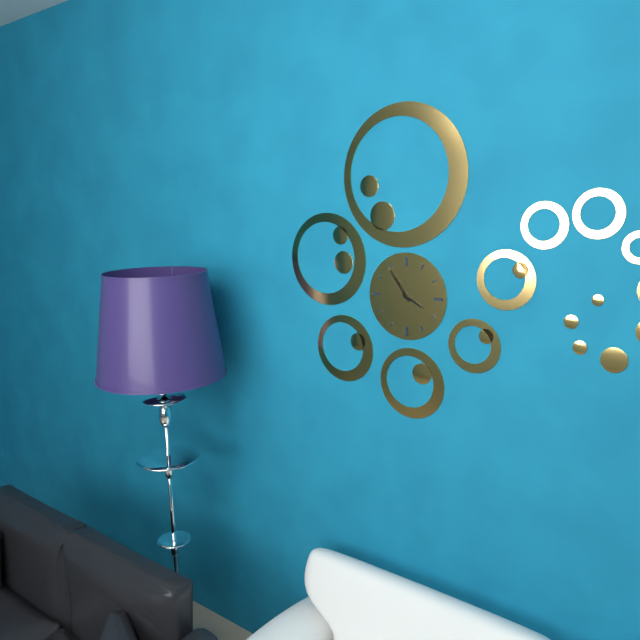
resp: 3,54
